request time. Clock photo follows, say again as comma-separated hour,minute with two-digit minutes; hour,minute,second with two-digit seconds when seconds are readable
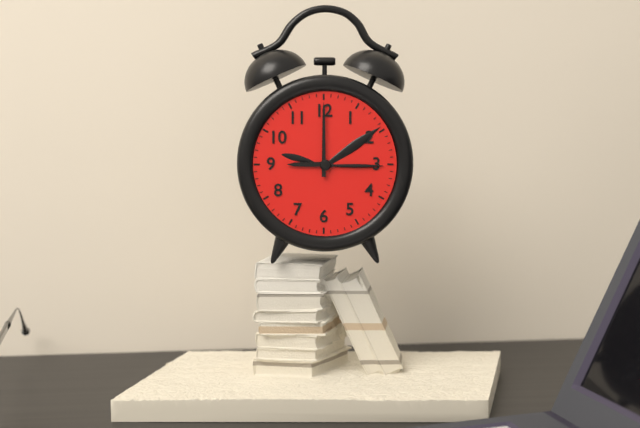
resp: 9,00
